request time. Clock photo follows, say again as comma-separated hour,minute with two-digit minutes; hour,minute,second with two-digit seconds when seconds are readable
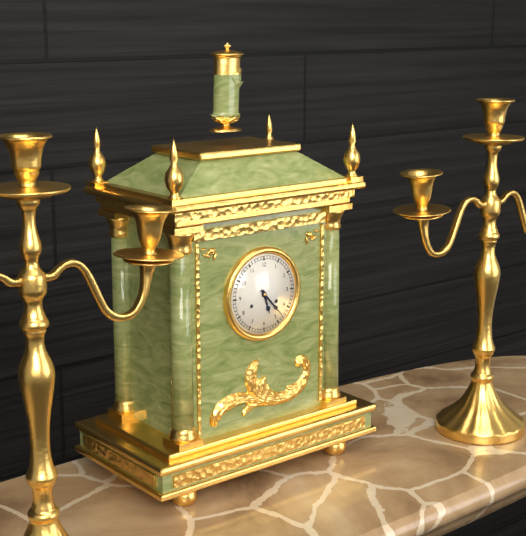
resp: 5,23
